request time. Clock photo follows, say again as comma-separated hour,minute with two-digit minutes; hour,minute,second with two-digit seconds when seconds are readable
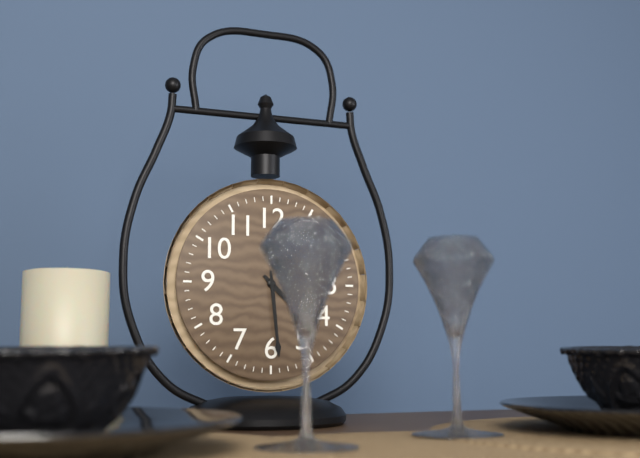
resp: 4,29
